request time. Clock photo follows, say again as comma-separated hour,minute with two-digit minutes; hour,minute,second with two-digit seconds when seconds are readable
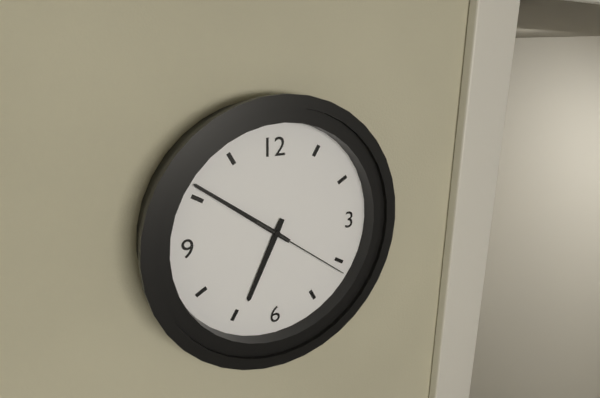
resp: 6,51,21
